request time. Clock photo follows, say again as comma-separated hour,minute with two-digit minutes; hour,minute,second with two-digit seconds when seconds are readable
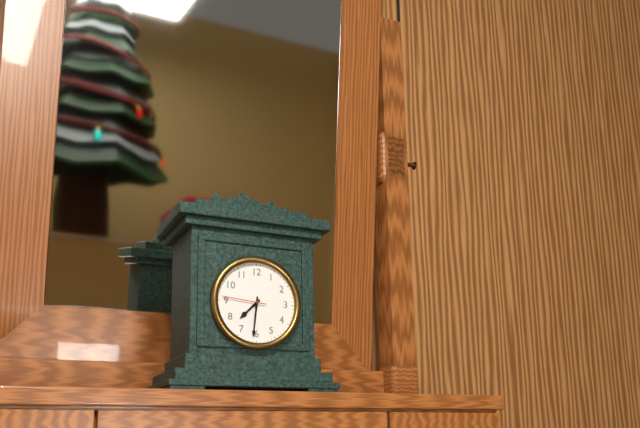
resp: 7,31
